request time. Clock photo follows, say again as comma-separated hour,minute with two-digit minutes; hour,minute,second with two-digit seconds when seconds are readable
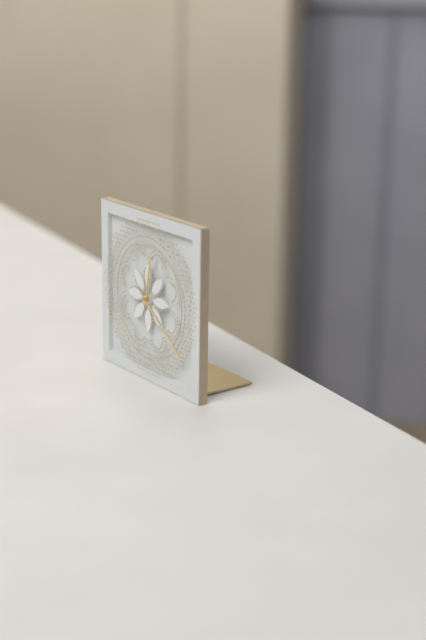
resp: 12,21
